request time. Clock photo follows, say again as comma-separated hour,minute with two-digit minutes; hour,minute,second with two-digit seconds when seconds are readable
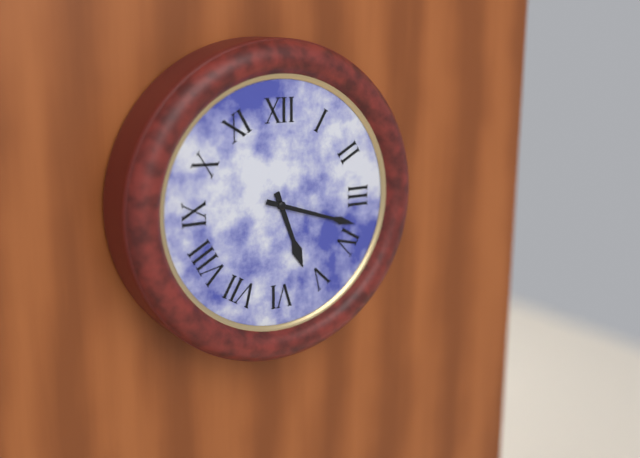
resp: 5,18
